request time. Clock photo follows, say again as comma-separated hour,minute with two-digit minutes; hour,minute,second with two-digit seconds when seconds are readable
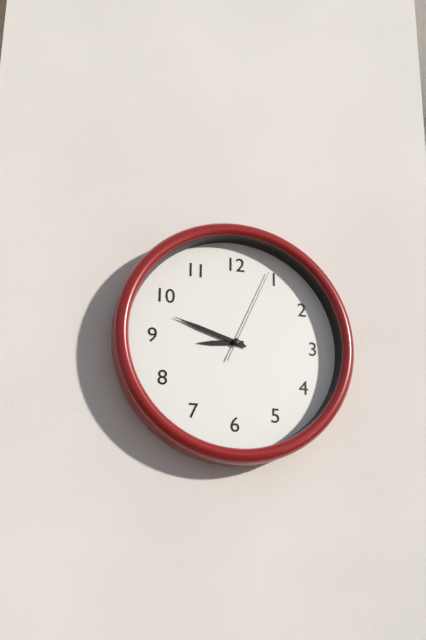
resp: 8,48,04
